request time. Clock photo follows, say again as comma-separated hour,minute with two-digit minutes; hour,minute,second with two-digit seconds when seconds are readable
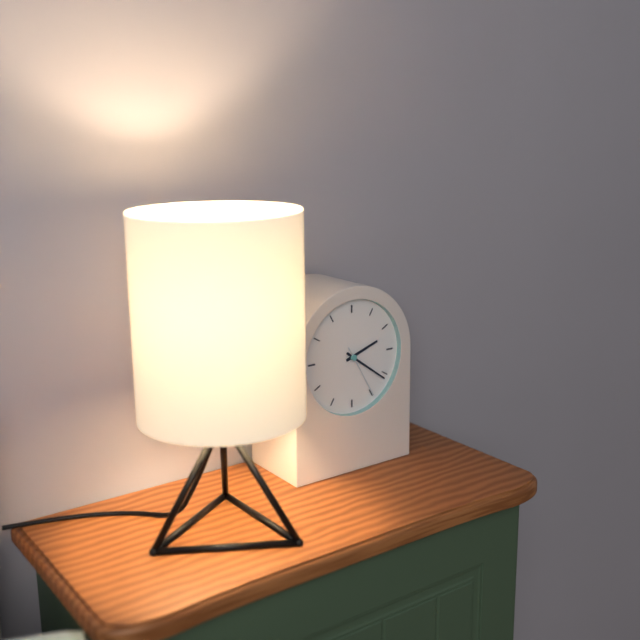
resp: 2,21,25
